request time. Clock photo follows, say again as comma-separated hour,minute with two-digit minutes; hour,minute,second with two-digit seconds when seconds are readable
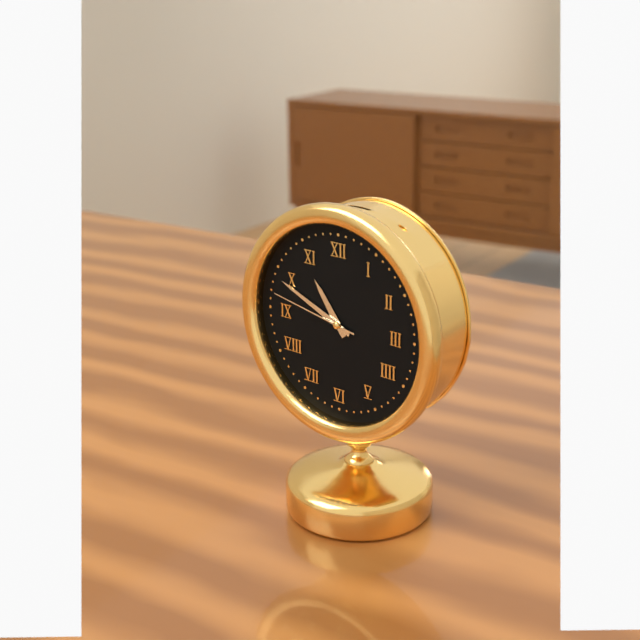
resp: 10,49,47
